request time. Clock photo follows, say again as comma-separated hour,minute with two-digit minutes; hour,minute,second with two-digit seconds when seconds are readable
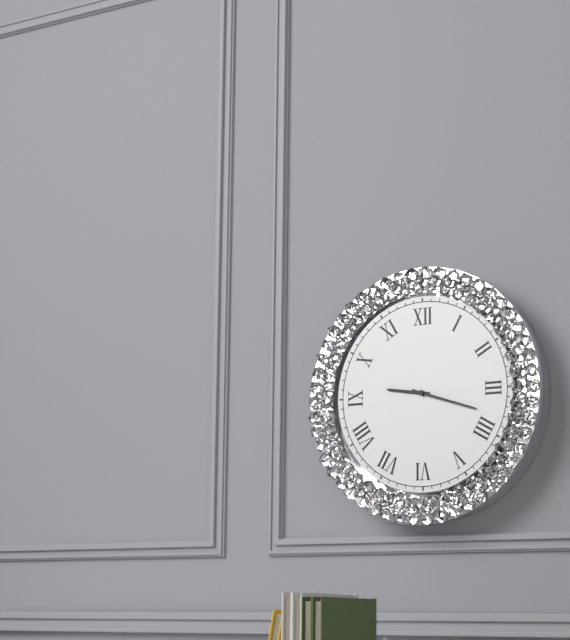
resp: 9,18
